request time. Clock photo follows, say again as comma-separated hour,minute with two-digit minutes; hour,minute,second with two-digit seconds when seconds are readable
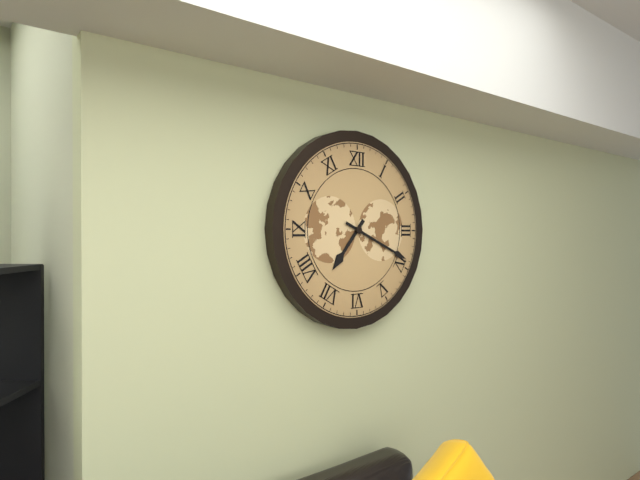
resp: 7,19
